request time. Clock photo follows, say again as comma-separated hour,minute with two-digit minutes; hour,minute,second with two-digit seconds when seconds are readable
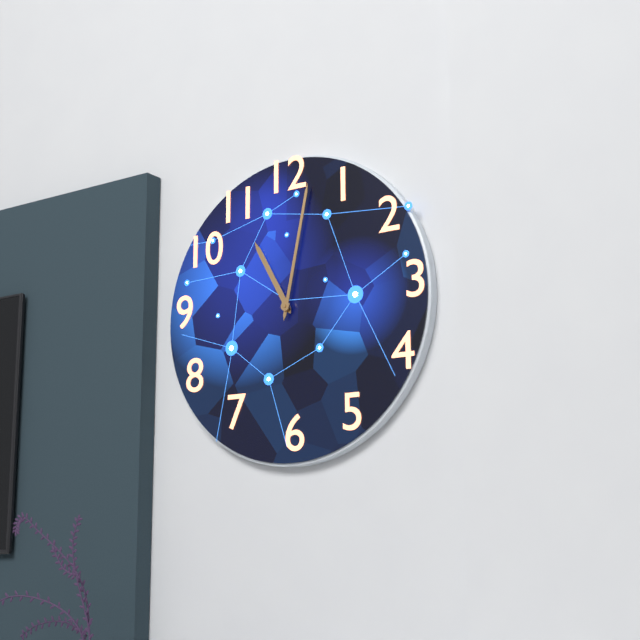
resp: 11,02
